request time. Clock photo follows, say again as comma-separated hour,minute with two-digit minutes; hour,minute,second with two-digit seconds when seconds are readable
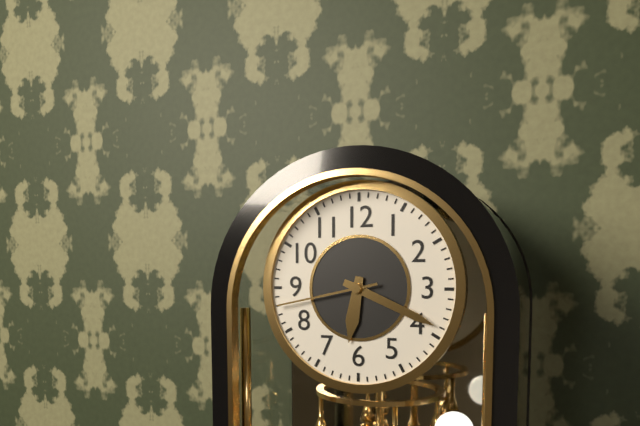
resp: 6,19,43
